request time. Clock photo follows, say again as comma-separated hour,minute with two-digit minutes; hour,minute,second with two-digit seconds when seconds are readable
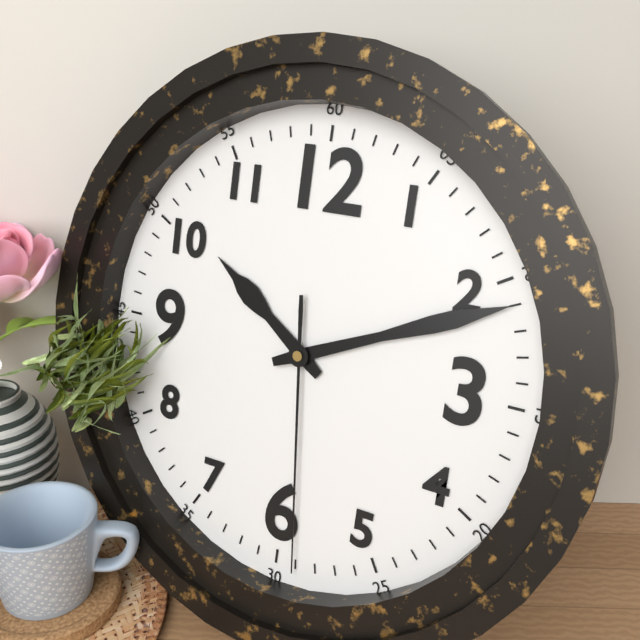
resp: 10,11,29
